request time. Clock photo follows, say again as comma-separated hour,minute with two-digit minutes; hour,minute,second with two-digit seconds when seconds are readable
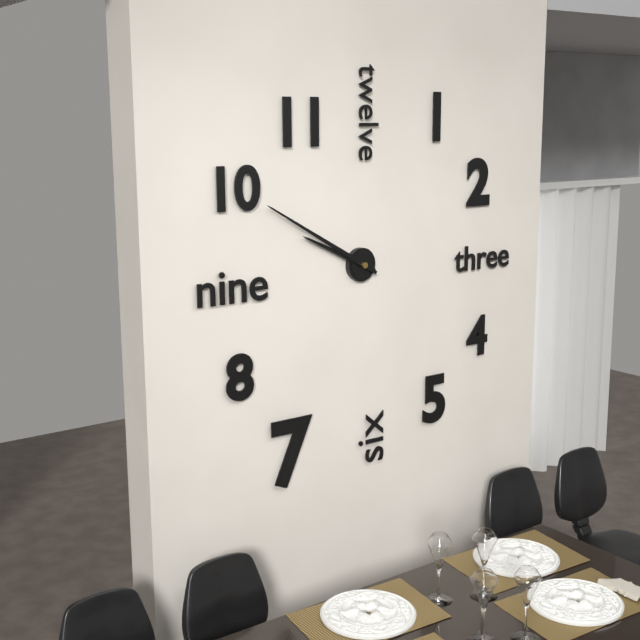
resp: 9,50
